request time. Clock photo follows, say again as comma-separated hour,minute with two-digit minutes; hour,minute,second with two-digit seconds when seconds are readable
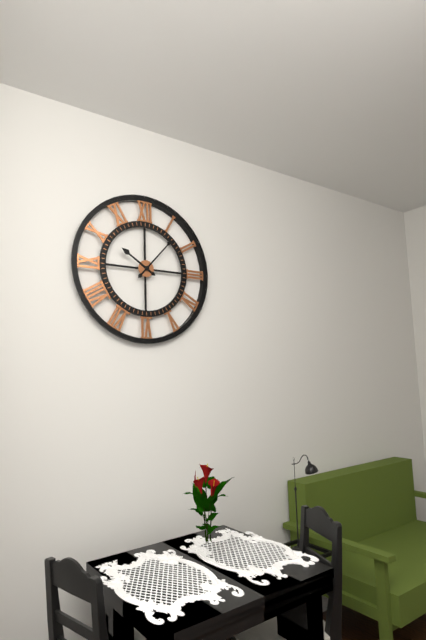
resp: 10,07
